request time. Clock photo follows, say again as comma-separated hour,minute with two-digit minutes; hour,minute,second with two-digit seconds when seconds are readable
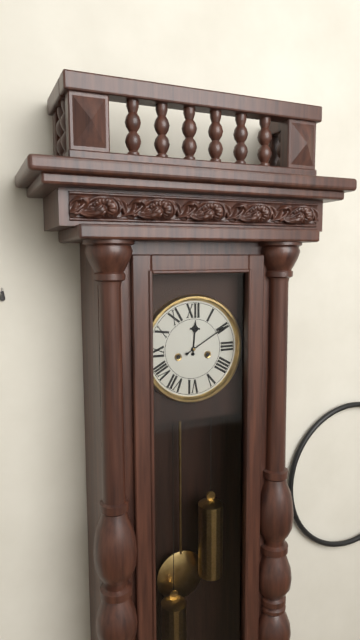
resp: 12,10
